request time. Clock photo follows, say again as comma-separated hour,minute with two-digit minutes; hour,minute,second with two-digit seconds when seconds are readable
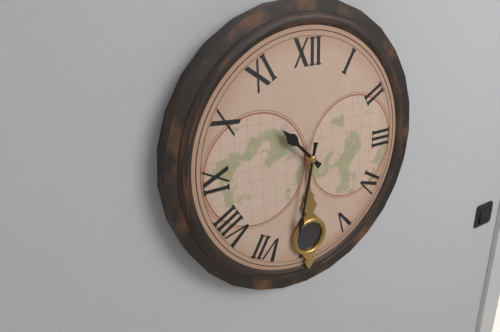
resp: 10,32
